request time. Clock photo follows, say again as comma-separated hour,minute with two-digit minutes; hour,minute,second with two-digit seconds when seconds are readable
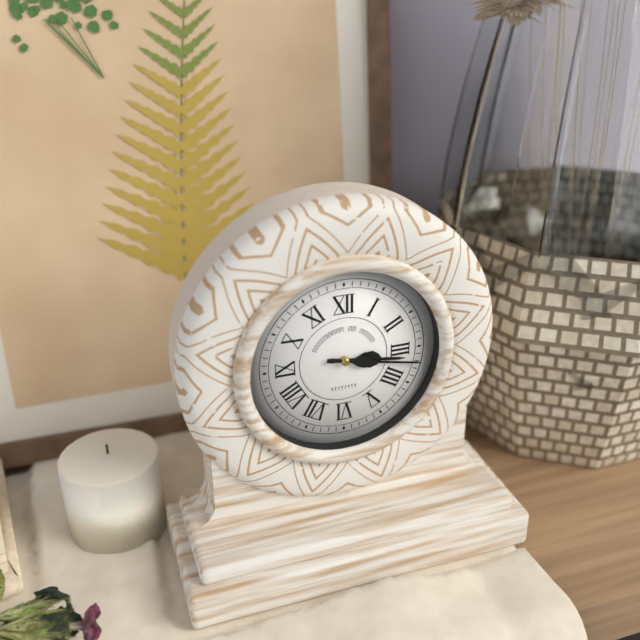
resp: 3,17
